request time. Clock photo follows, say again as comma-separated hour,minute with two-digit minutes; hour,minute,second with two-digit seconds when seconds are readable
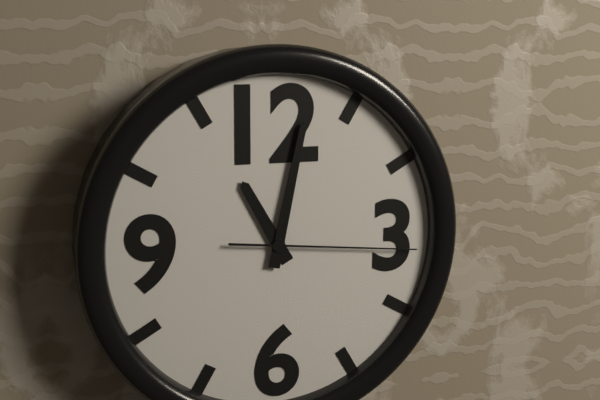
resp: 11,02,16
